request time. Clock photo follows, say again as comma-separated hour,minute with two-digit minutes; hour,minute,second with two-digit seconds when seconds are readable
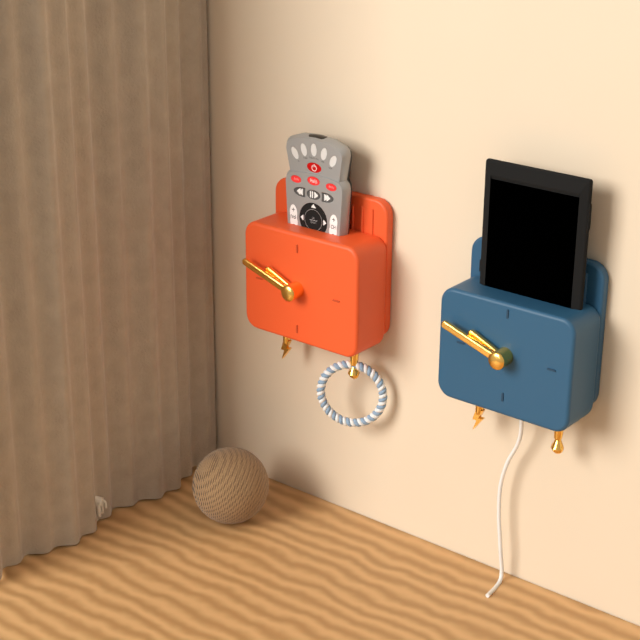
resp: 9,48
